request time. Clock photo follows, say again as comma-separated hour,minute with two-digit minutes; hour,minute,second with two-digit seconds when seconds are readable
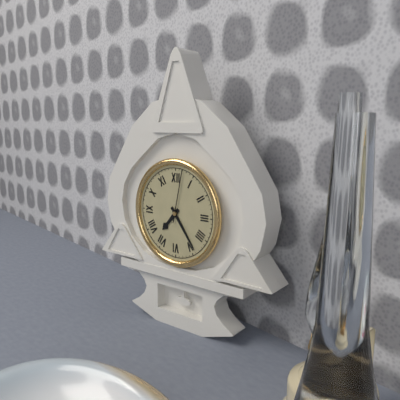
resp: 7,24,02
